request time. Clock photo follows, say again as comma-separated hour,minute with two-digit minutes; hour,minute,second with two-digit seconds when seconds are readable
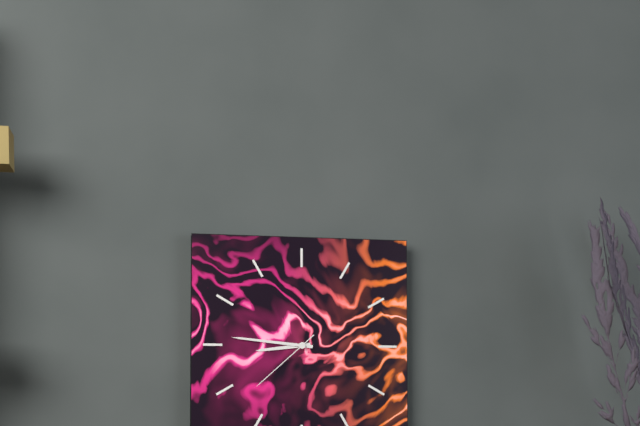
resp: 8,46,38
